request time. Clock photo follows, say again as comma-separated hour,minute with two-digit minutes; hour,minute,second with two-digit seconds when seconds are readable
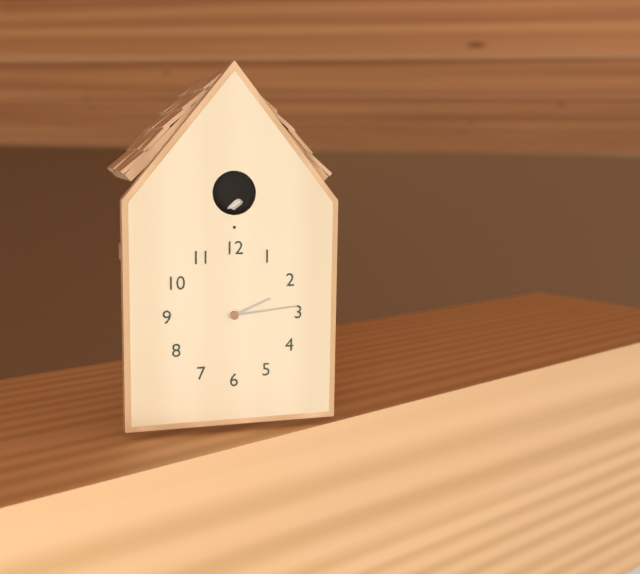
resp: 2,14
